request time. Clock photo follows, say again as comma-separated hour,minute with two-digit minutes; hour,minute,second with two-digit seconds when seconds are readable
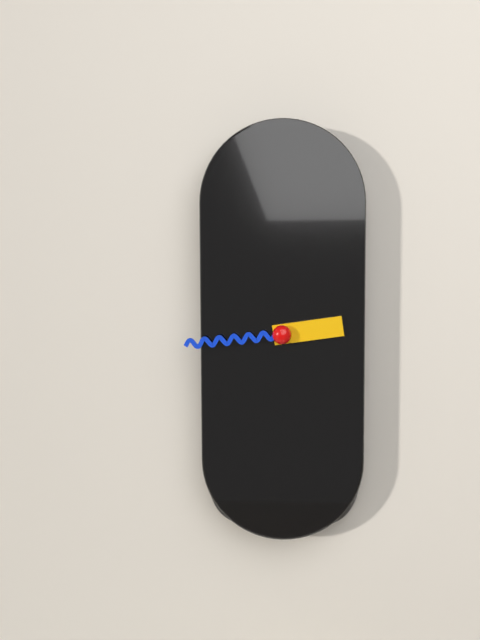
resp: 2,44
